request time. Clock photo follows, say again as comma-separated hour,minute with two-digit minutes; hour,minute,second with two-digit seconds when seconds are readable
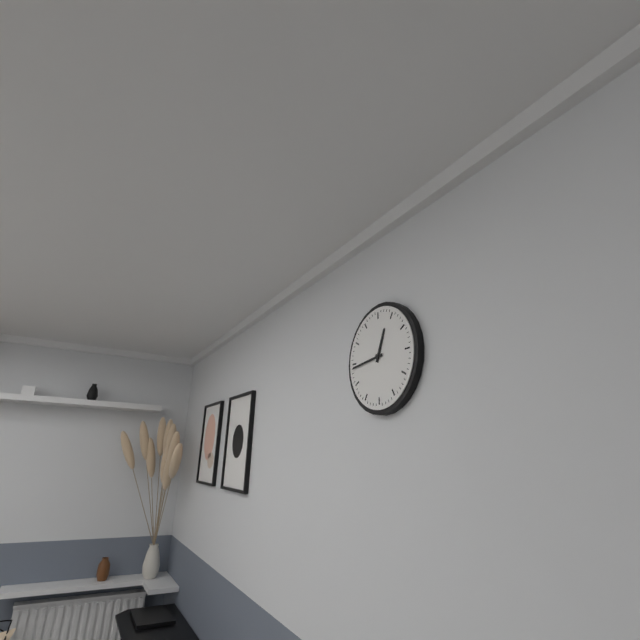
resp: 12,44
